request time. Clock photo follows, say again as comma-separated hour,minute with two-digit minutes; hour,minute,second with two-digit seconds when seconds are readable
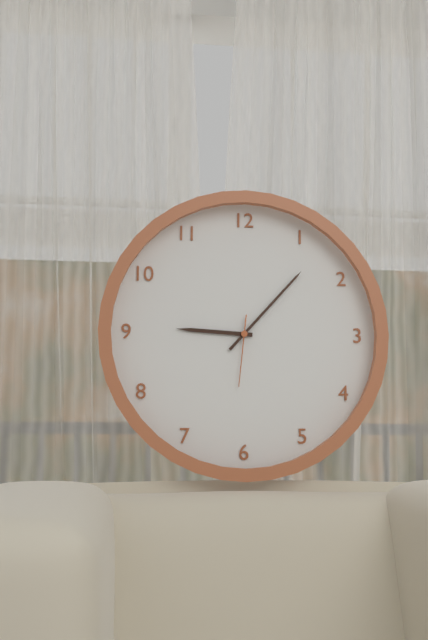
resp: 9,07,31
